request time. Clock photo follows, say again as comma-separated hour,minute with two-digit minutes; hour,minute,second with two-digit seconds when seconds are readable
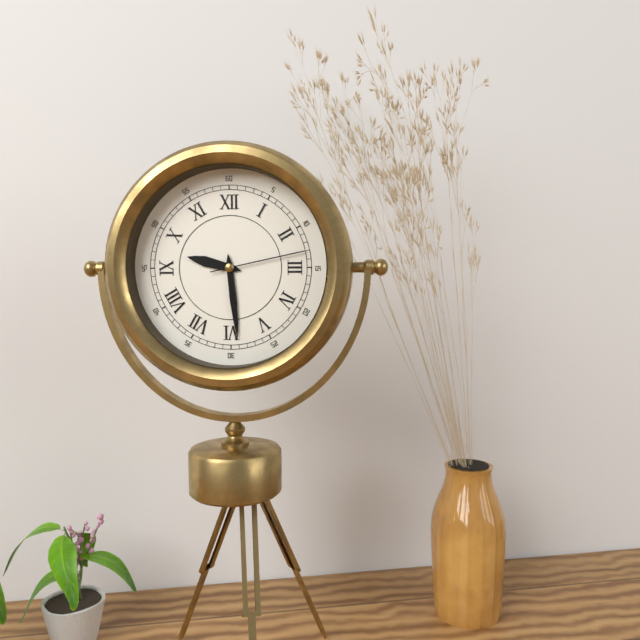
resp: 9,29,13
